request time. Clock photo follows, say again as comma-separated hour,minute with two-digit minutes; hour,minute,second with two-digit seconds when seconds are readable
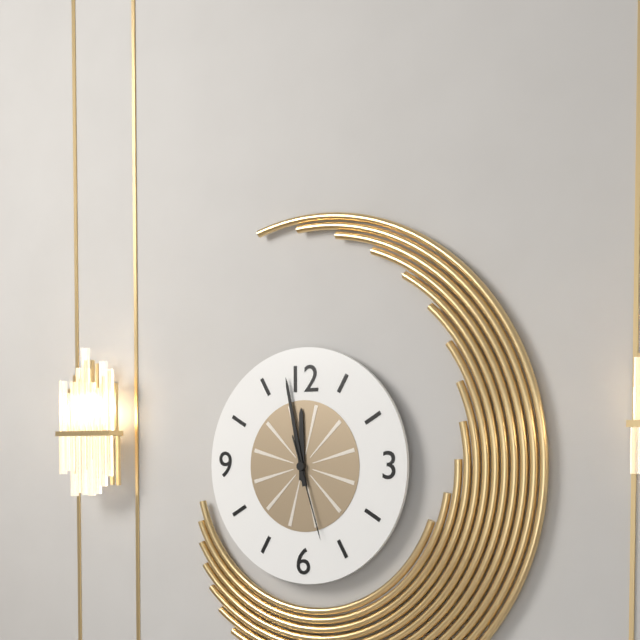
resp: 11,58,27
